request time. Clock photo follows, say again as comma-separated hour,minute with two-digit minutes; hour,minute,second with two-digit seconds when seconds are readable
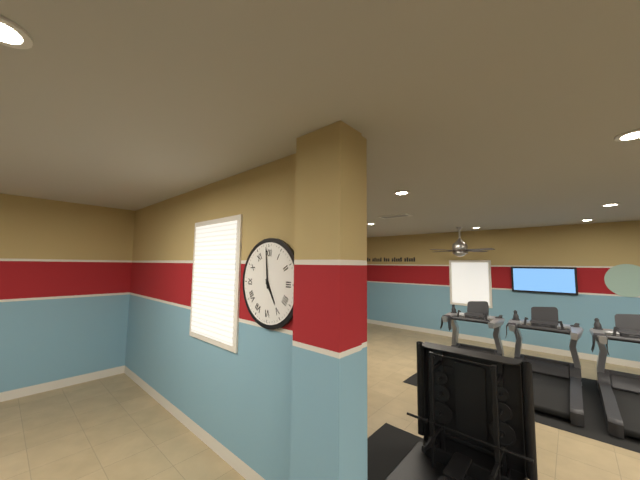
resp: 4,59
